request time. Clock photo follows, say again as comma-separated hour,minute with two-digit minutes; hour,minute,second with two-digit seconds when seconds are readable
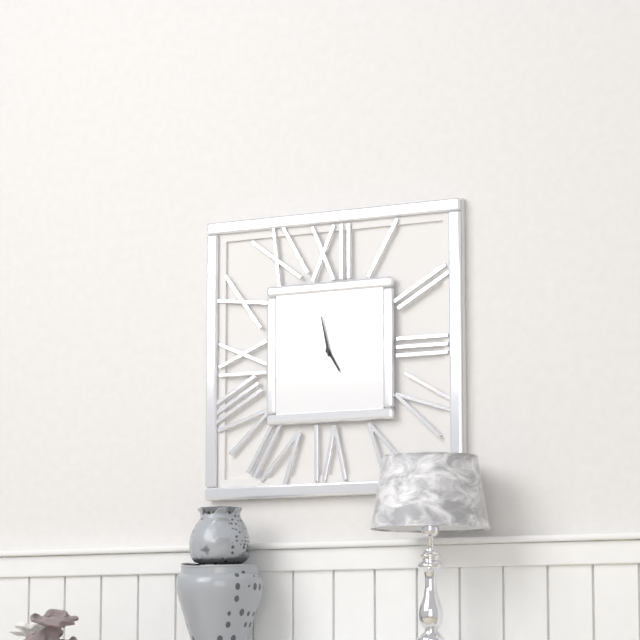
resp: 4,58
